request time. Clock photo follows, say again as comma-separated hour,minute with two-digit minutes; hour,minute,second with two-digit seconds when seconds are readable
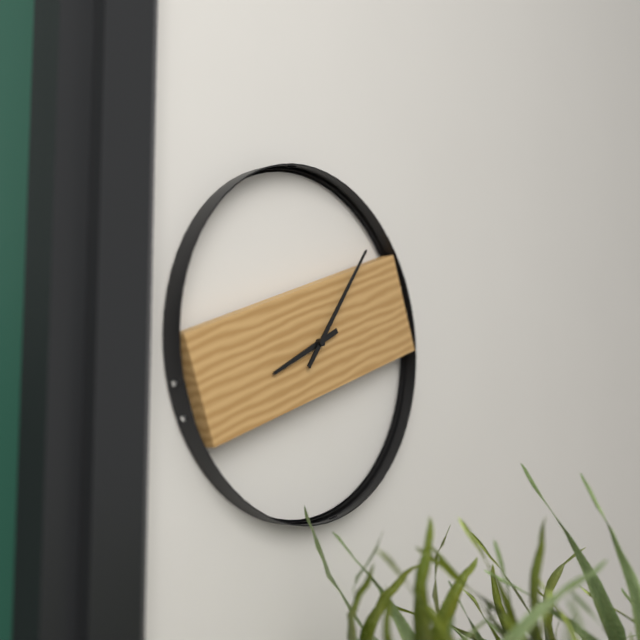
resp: 8,06
